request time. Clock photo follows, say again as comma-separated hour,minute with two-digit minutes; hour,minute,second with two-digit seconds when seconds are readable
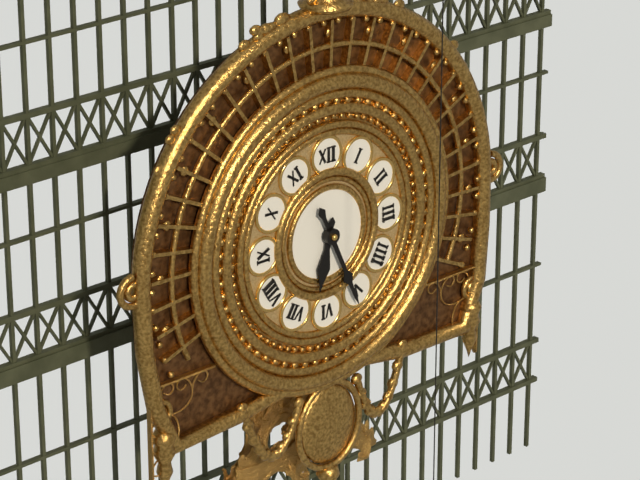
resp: 6,26
